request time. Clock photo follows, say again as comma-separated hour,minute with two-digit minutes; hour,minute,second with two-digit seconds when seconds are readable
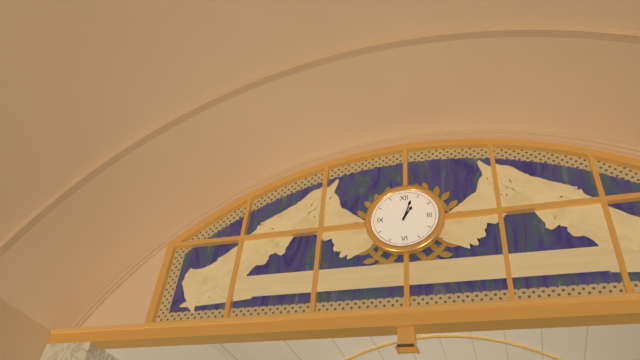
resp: 1,03
